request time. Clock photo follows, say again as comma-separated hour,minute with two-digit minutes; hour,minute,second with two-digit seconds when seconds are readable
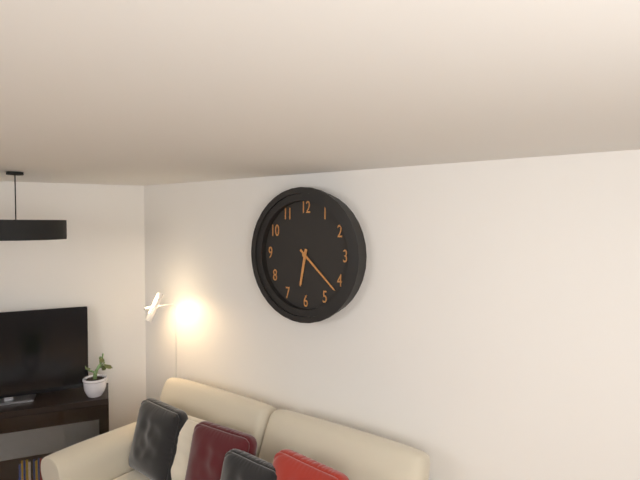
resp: 6,22
